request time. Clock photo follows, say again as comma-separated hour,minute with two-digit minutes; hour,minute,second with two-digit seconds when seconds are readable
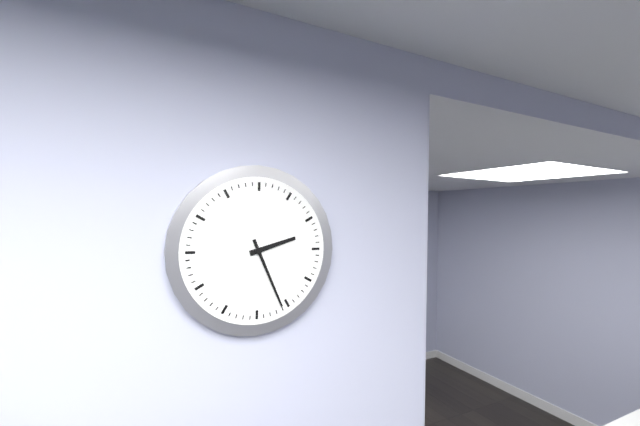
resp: 2,26
